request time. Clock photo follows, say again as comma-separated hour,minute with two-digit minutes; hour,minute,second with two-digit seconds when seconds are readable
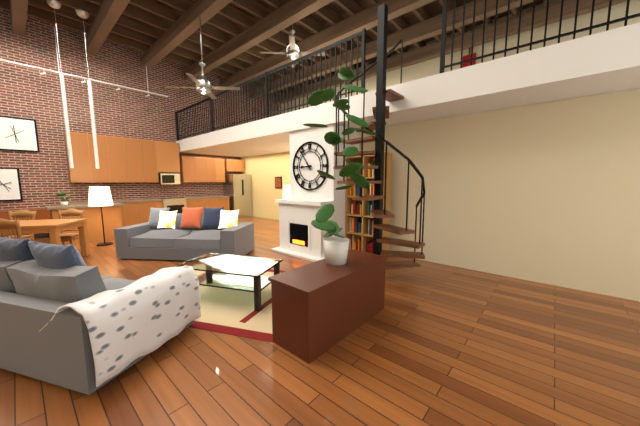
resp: 8,54
